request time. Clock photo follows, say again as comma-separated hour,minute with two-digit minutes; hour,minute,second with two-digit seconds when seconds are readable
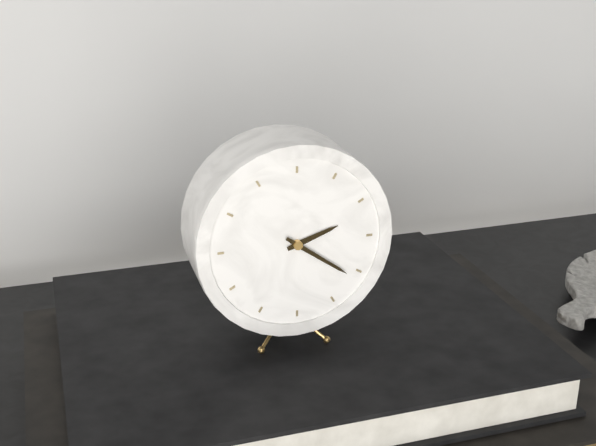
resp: 2,21
